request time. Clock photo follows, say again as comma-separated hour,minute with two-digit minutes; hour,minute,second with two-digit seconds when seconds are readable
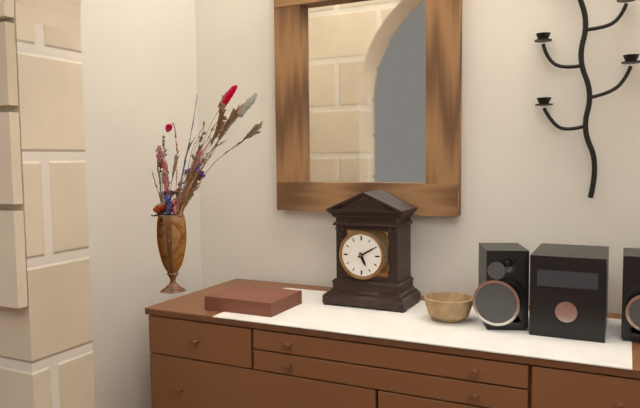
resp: 5,10
